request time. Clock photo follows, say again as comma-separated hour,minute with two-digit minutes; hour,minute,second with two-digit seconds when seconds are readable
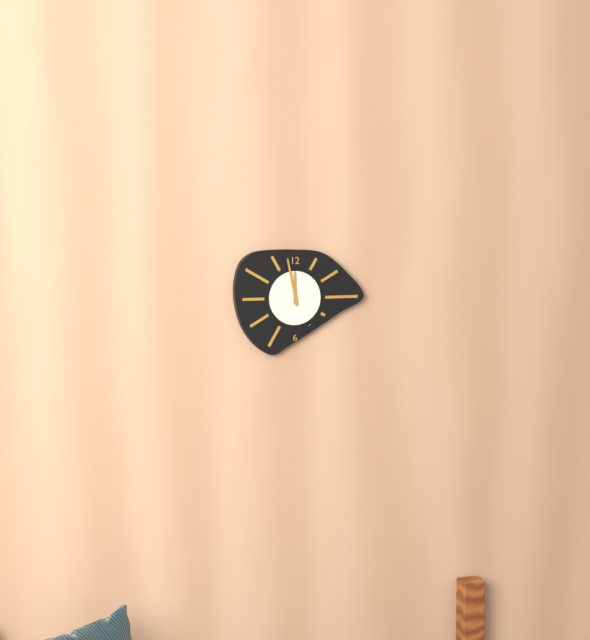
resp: 11,58
